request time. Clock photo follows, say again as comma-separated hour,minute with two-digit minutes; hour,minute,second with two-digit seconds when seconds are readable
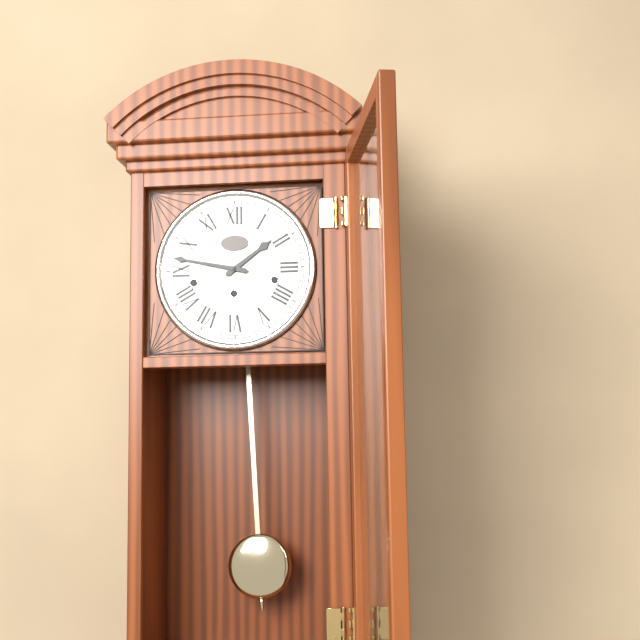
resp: 1,47
